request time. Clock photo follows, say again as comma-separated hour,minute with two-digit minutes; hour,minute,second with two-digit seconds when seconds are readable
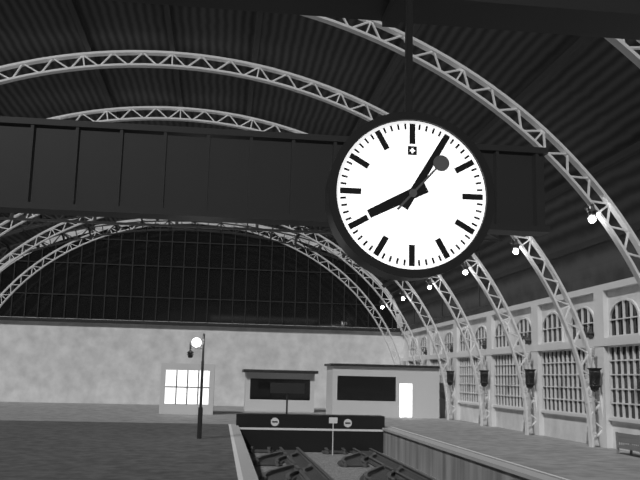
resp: 8,05,07
